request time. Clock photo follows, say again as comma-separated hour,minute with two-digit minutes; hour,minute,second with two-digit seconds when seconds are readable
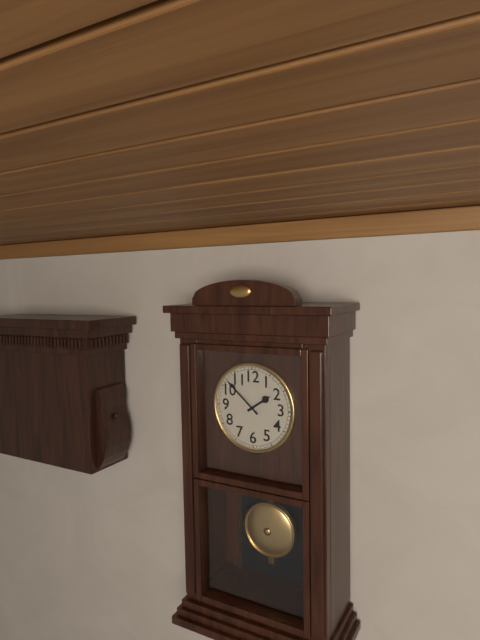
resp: 1,52
